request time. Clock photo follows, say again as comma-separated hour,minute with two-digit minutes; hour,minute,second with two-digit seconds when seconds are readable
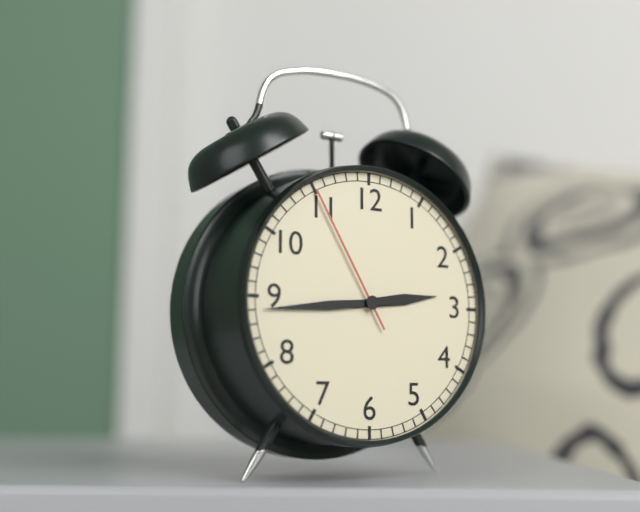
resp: 2,44,55
